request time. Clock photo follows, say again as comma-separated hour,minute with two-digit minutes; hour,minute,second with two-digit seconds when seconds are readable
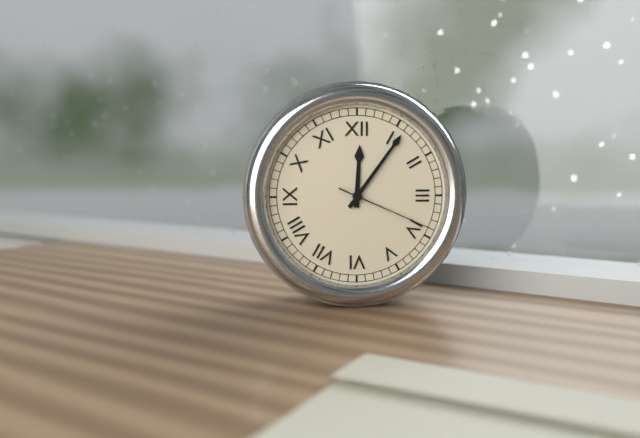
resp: 12,06,19
